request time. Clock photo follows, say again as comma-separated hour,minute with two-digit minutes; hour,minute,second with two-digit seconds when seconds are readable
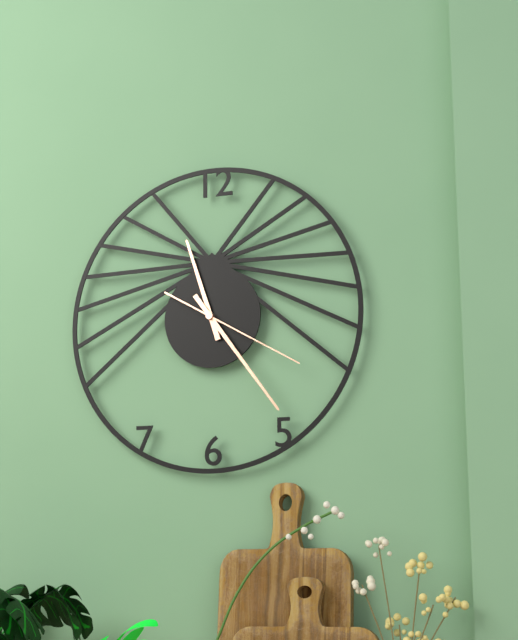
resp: 11,24,20
